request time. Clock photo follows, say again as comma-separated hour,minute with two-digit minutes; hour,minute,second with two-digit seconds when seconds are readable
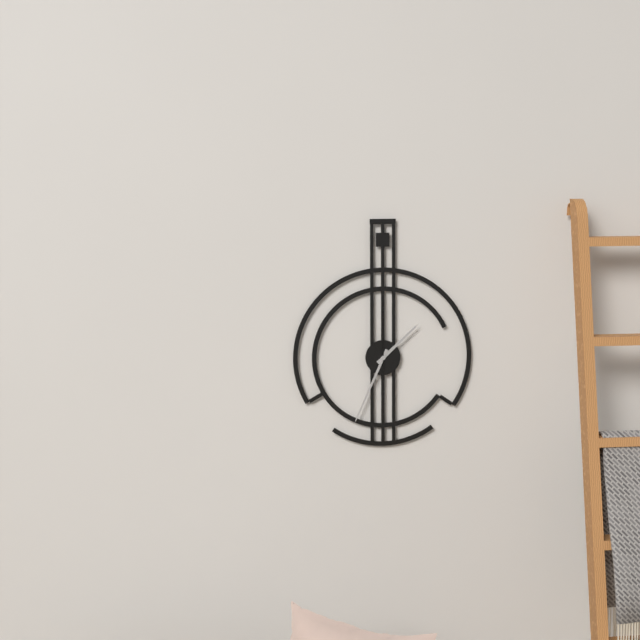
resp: 1,34,00
